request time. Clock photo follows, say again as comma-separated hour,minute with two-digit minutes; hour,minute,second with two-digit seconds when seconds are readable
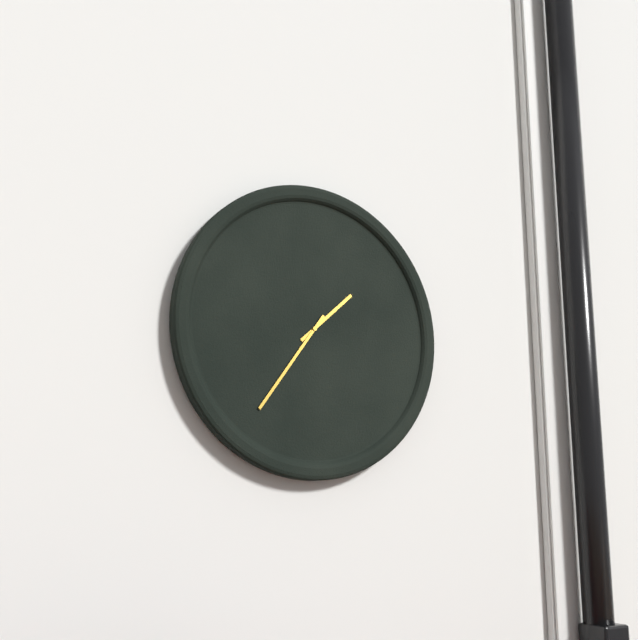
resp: 1,36
